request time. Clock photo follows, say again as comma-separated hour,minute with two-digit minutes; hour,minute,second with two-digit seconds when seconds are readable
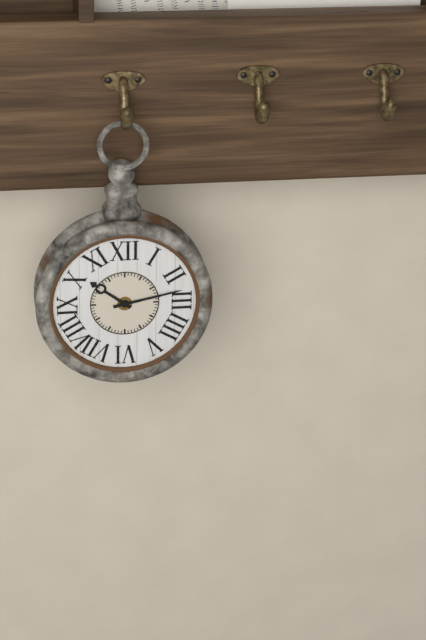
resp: 10,13
